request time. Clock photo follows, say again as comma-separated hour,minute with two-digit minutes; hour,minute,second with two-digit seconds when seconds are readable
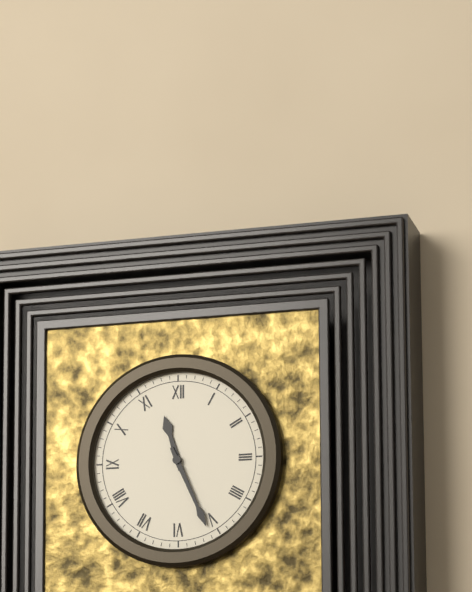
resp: 11,26
